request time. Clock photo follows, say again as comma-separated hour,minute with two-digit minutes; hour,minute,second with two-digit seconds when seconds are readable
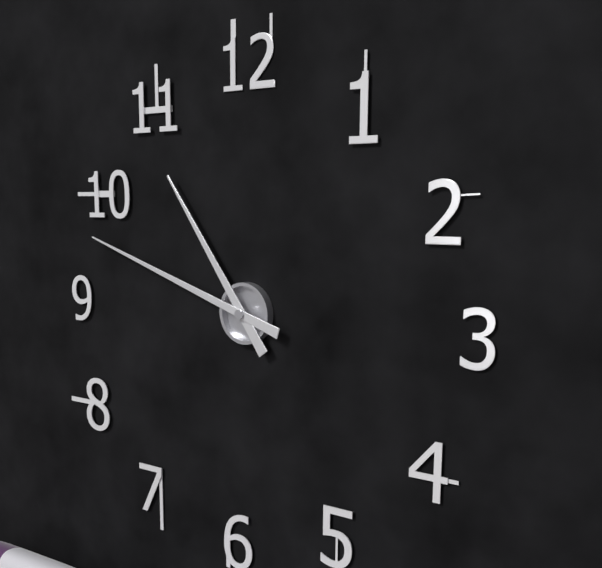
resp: 10,48
